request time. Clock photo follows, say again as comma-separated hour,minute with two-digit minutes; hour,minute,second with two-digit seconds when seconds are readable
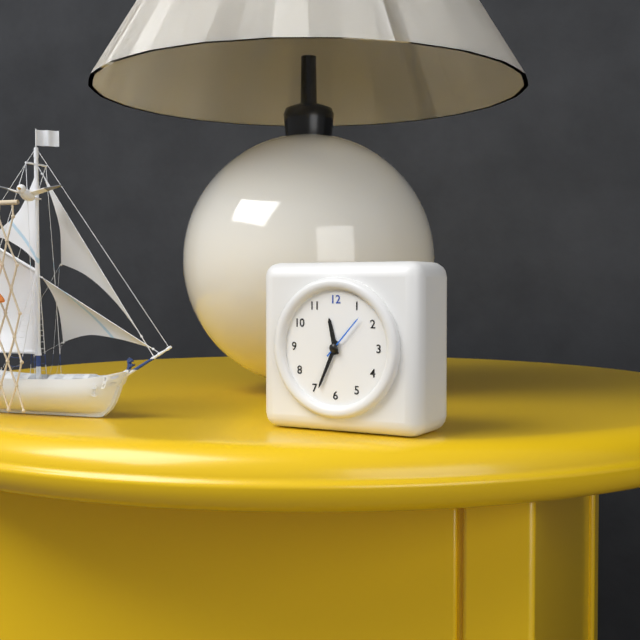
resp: 11,34
